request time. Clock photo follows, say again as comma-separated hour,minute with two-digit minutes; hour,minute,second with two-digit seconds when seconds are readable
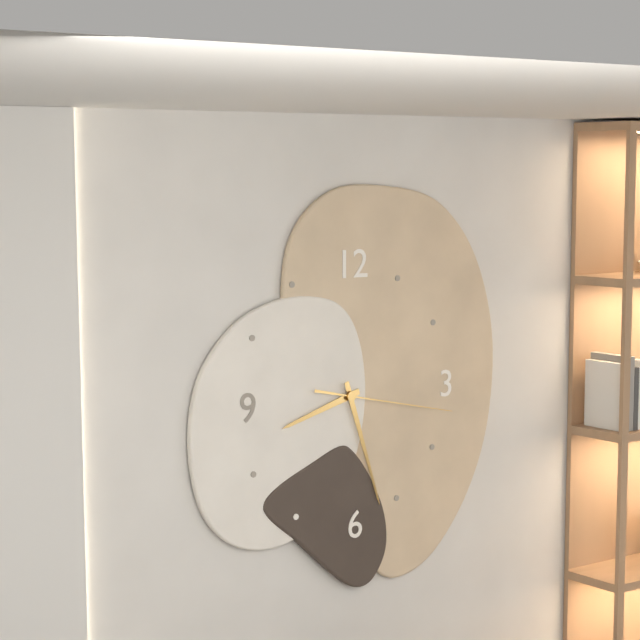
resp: 8,27,17
